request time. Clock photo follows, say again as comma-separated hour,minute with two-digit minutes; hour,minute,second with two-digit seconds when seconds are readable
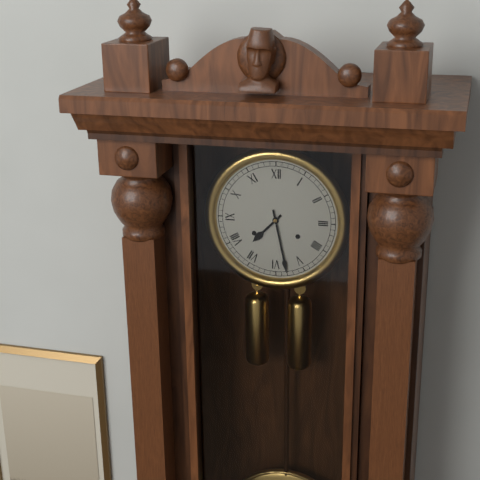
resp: 7,28
